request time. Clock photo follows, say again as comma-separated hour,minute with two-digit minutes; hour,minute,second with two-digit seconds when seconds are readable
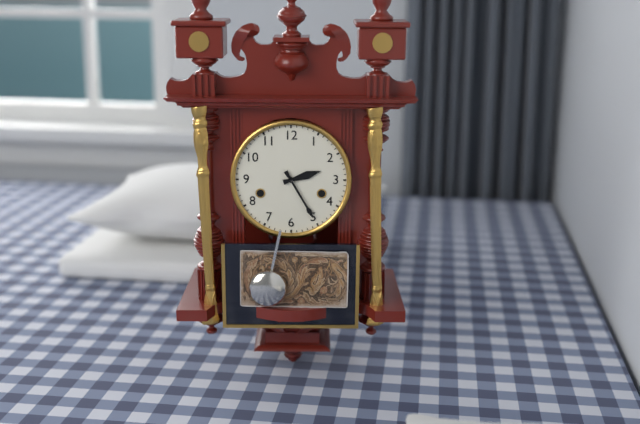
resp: 2,25
